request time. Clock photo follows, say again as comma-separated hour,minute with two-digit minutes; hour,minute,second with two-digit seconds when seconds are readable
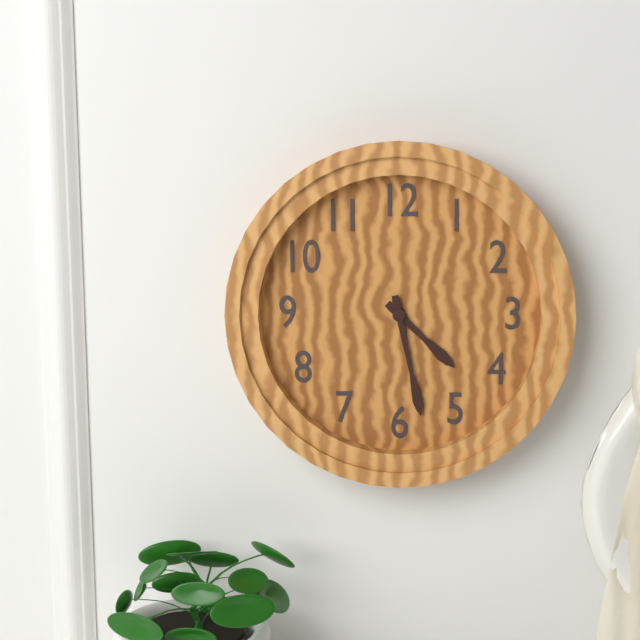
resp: 4,28
